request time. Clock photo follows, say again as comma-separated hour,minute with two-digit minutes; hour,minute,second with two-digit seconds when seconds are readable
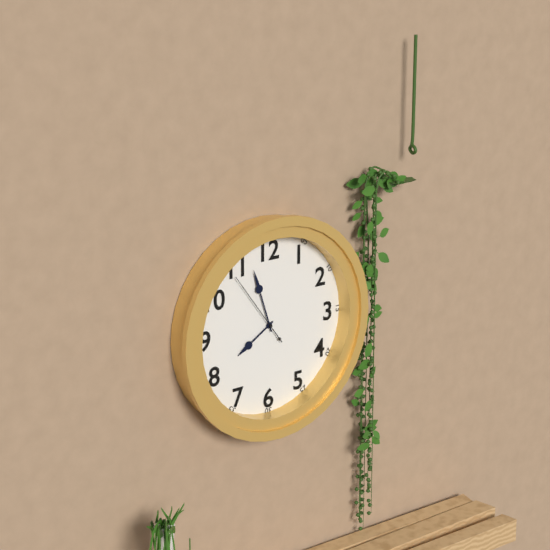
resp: 7,57,54
